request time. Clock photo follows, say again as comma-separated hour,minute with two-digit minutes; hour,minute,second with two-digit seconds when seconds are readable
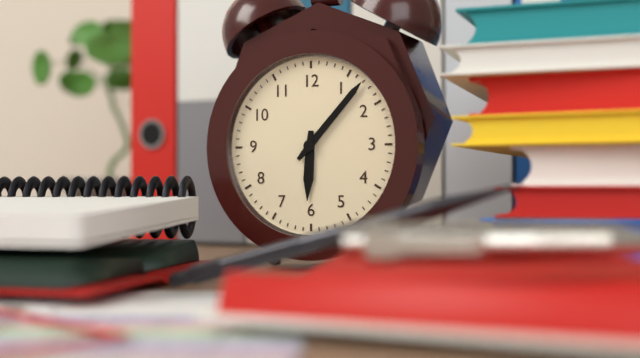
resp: 6,07
